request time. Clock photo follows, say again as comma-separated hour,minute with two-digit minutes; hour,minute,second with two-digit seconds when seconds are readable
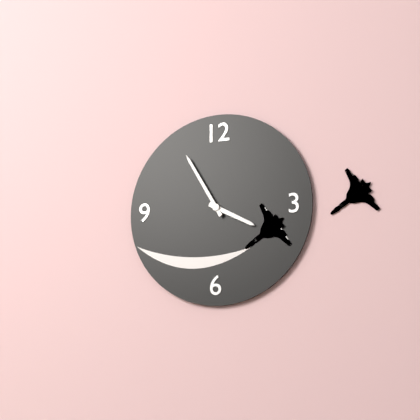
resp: 3,55
